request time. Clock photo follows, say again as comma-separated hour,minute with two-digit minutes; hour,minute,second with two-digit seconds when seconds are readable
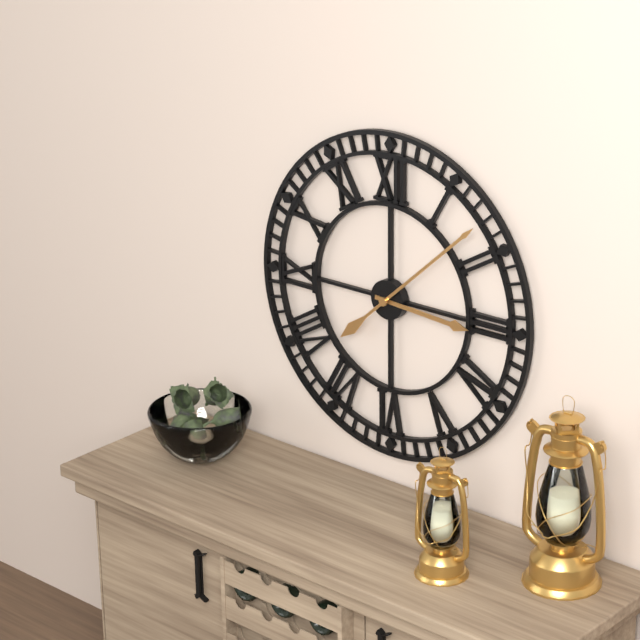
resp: 3,08
